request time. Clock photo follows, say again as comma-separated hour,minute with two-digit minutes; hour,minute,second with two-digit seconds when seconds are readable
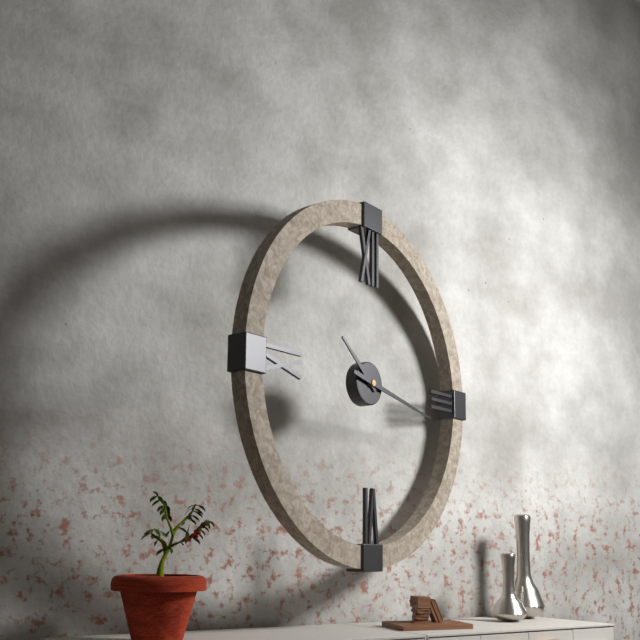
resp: 10,17
